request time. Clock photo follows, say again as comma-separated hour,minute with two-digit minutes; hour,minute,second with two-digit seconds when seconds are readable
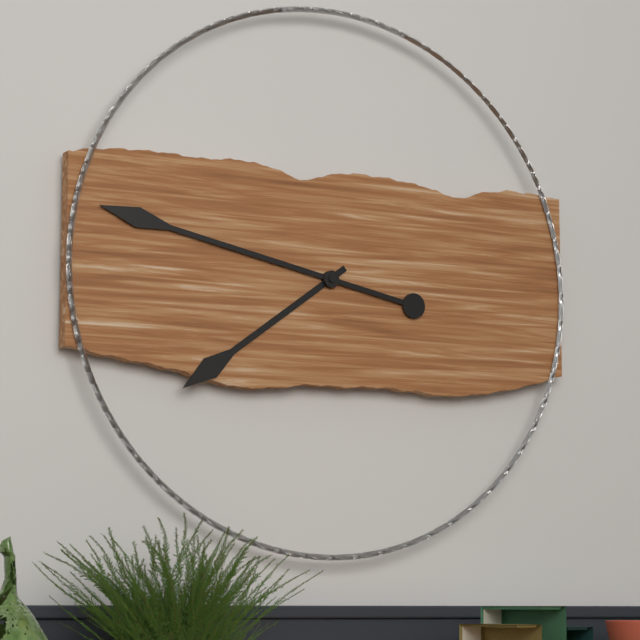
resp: 7,47
